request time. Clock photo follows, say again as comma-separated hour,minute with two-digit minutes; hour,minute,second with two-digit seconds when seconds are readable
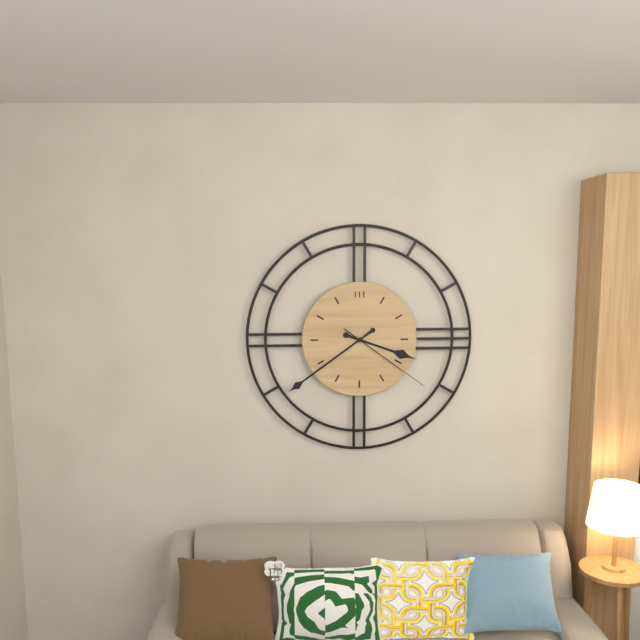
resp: 3,39,21
